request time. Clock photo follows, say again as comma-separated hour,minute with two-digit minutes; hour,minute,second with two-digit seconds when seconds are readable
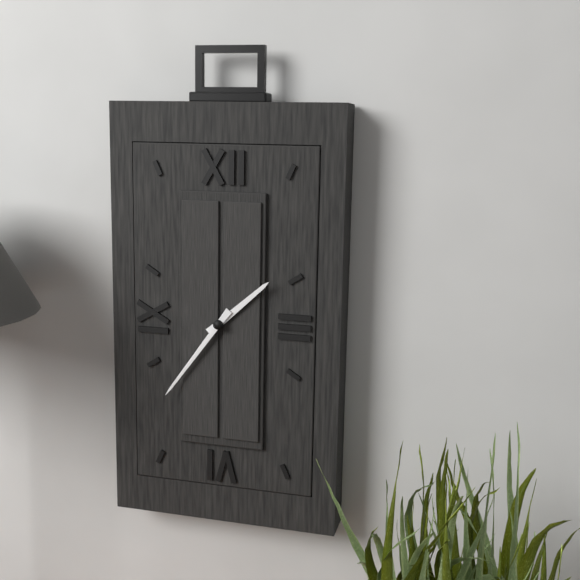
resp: 1,36
